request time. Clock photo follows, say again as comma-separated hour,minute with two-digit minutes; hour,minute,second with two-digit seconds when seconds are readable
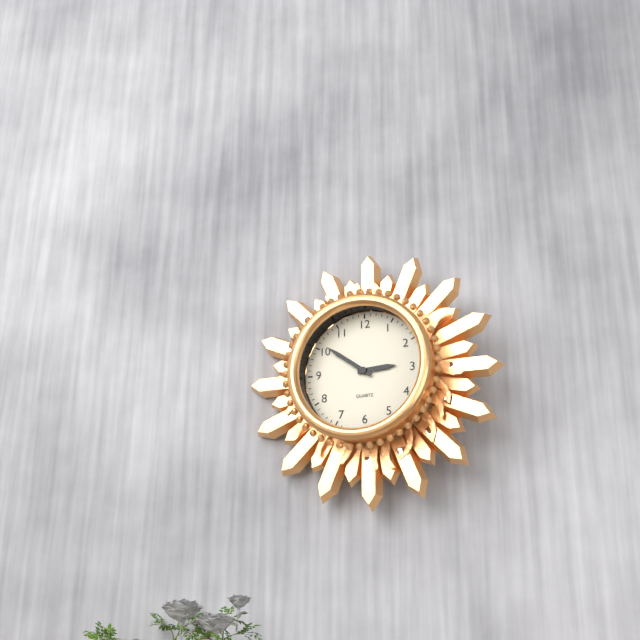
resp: 2,51
